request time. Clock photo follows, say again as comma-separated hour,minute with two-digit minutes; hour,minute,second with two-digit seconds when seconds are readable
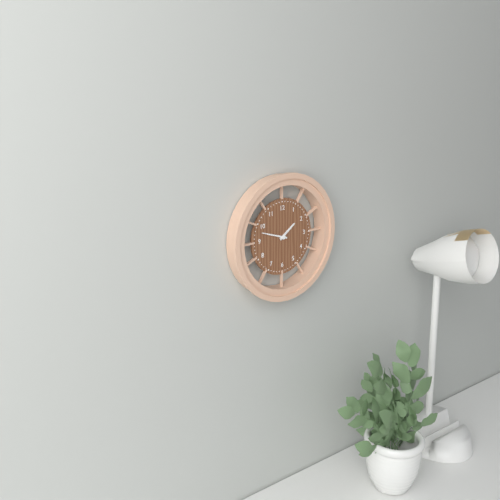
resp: 1,48
